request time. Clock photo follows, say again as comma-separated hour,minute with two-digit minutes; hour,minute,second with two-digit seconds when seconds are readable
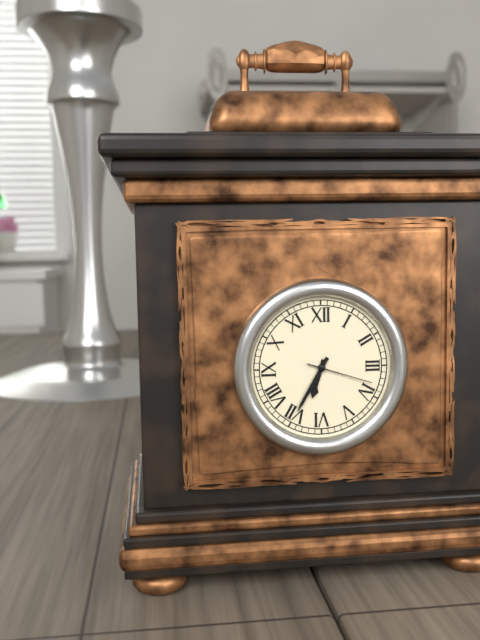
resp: 6,35,18
